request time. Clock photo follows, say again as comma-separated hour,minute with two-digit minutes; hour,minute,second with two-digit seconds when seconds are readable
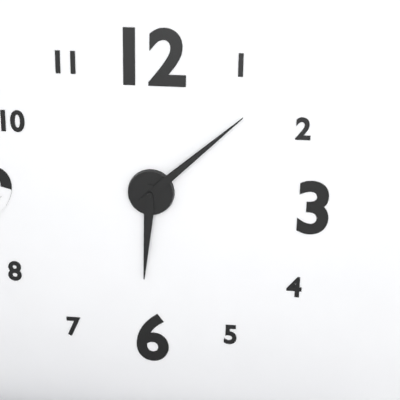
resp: 6,08
